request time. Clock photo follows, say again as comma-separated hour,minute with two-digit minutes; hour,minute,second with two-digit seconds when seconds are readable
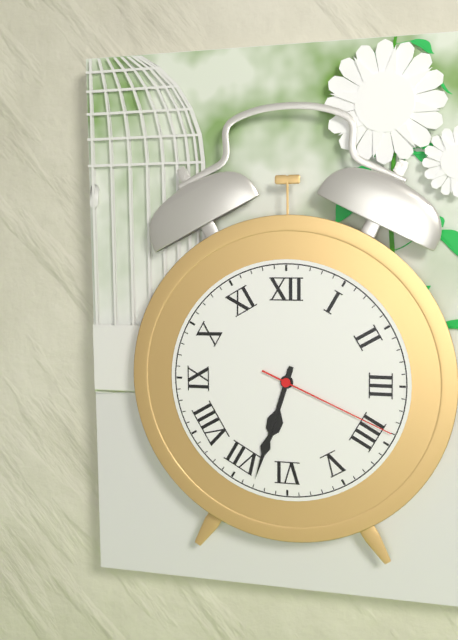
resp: 6,33,19
